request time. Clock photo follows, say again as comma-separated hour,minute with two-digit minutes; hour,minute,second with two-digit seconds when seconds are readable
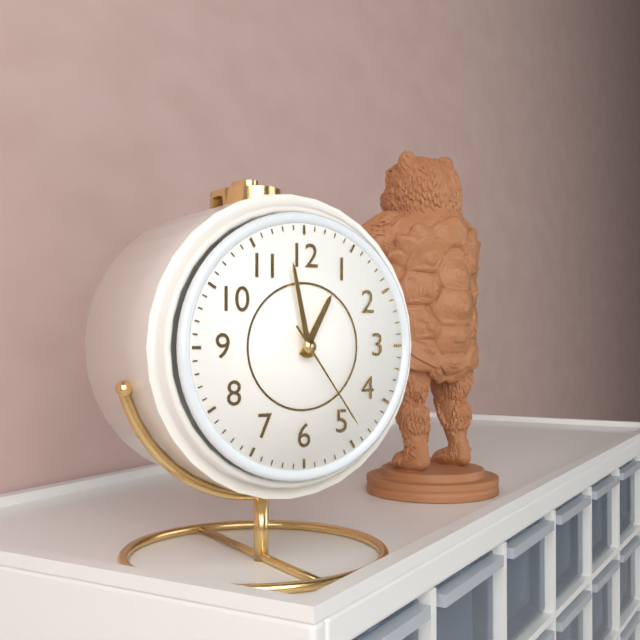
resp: 12,58,24
